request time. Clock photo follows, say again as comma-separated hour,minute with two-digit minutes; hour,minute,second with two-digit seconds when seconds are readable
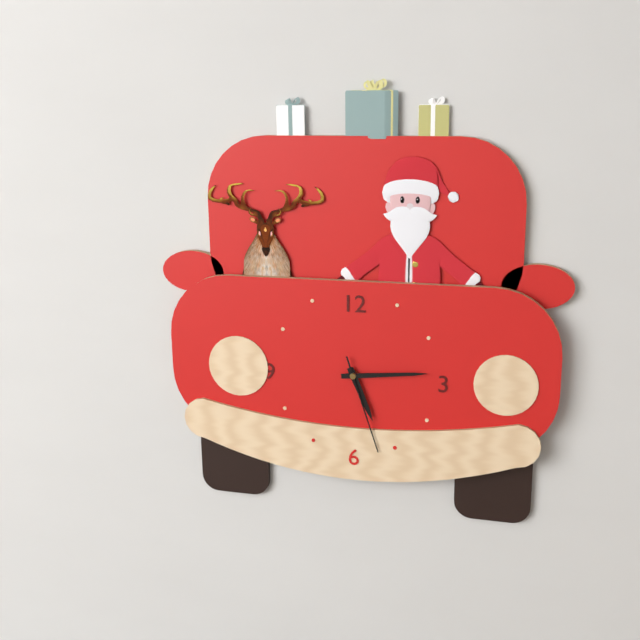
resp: 5,14,27
